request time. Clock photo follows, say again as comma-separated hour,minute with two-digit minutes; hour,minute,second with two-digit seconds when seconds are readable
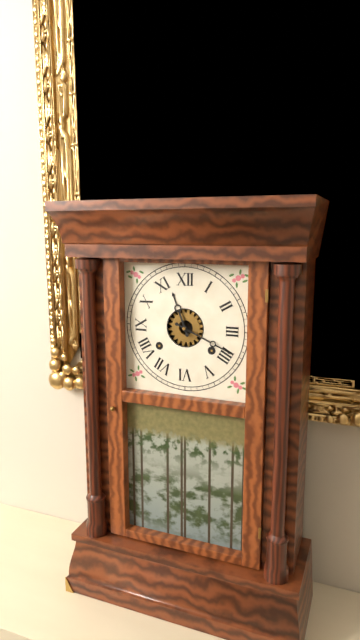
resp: 11,19
